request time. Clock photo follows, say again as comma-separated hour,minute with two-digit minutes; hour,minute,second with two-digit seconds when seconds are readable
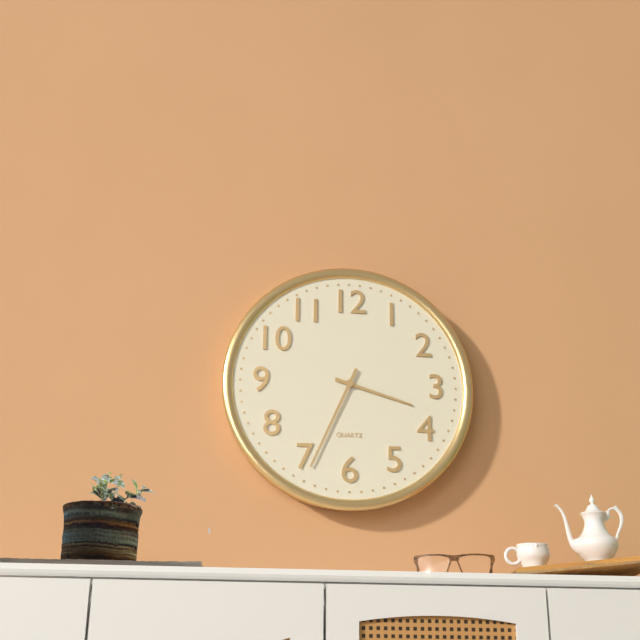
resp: 3,34
